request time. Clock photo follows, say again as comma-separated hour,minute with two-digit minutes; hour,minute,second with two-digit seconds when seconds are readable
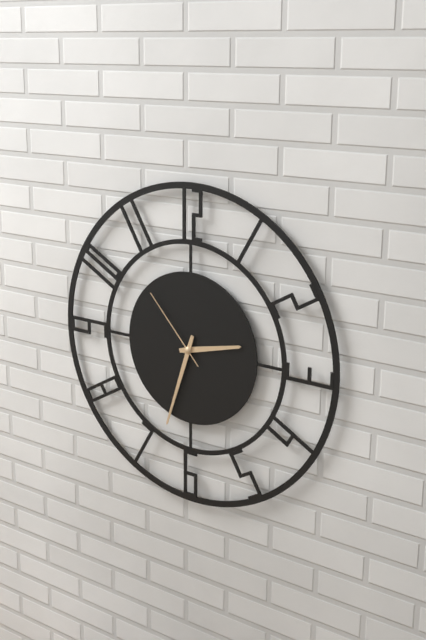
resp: 2,33,53
